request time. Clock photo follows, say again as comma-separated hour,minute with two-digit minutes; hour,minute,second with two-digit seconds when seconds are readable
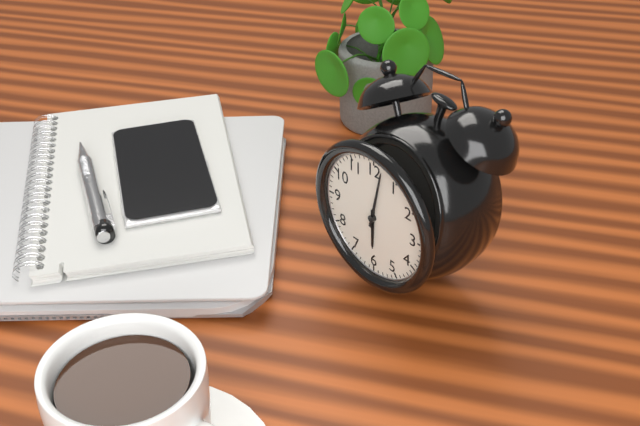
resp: 6,02
